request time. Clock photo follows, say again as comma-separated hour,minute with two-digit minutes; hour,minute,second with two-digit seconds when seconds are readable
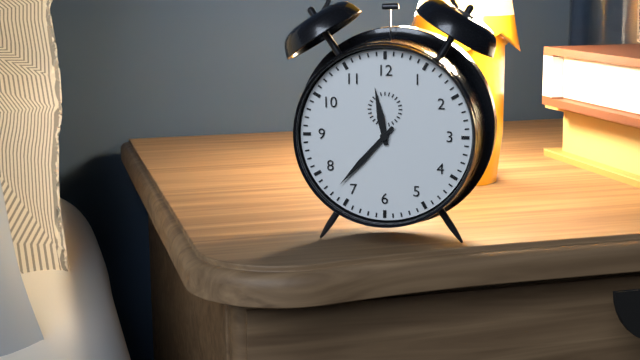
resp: 11,37
